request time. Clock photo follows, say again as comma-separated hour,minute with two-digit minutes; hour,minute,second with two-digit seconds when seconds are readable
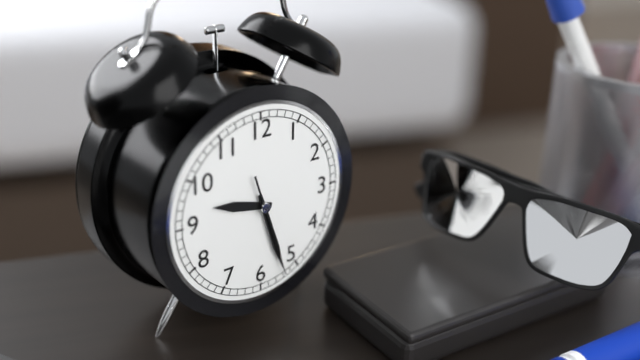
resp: 9,27,27
